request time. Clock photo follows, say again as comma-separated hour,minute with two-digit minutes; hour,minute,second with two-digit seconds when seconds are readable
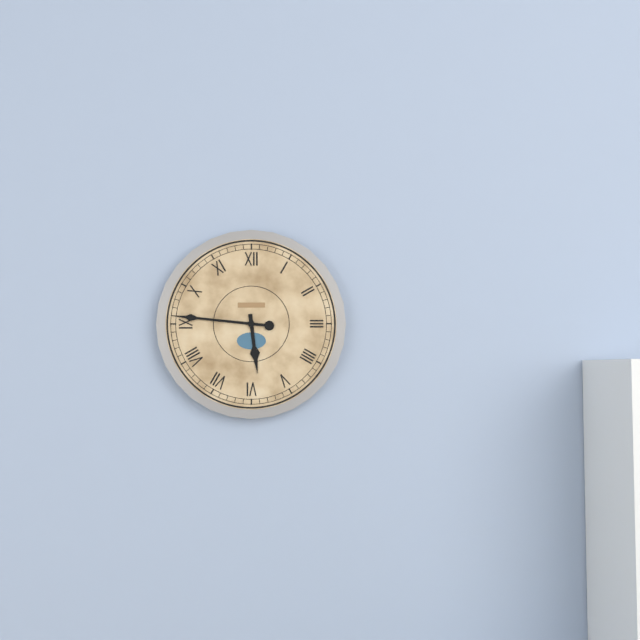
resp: 5,46
